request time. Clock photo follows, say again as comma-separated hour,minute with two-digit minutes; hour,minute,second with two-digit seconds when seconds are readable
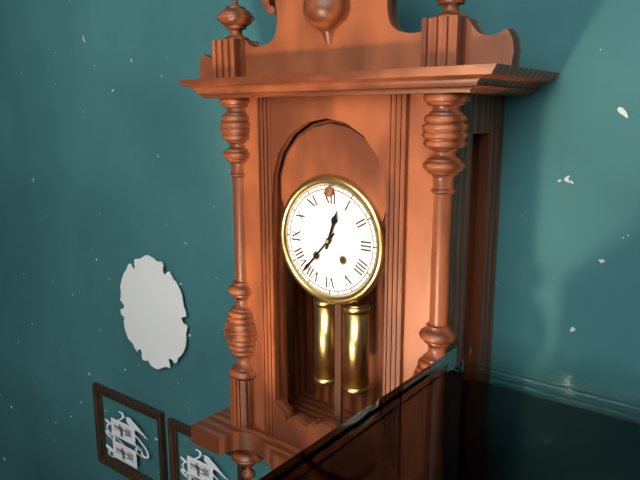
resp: 12,37
